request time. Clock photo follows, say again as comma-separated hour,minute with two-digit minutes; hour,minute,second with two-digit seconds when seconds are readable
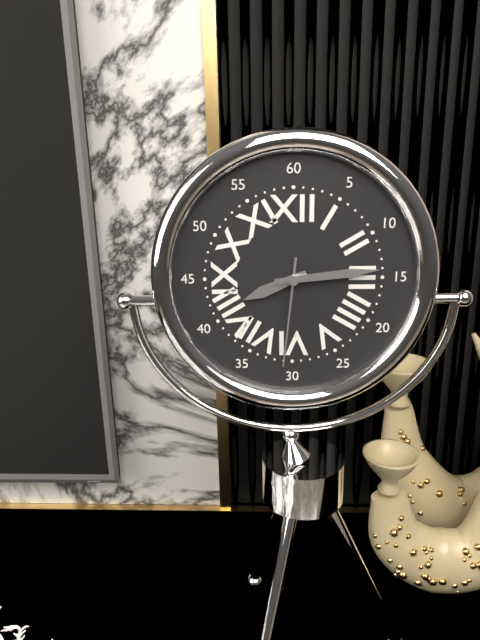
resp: 8,14,31
